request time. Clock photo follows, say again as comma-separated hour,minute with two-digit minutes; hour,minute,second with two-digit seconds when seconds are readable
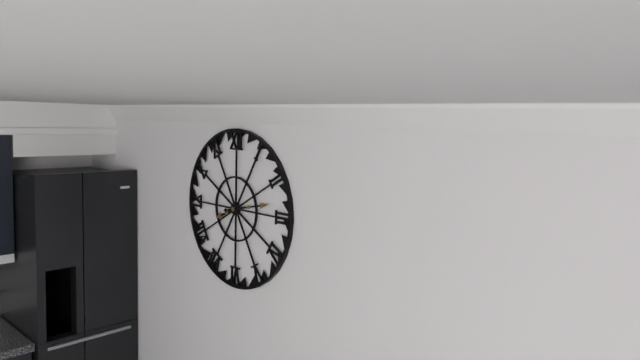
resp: 8,13
